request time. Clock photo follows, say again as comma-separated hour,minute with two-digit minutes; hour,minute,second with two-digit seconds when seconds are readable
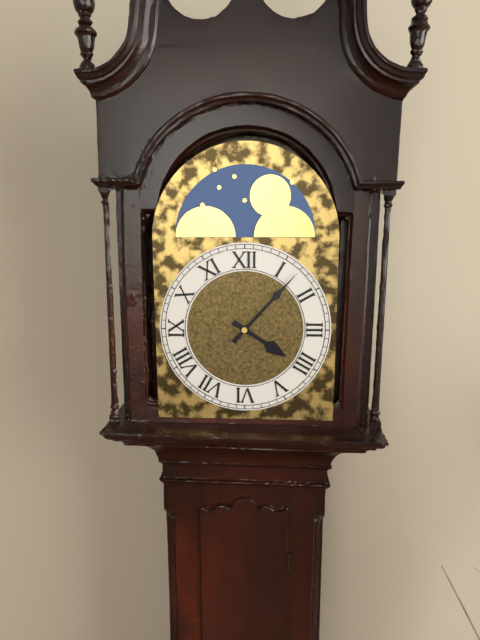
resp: 4,07
